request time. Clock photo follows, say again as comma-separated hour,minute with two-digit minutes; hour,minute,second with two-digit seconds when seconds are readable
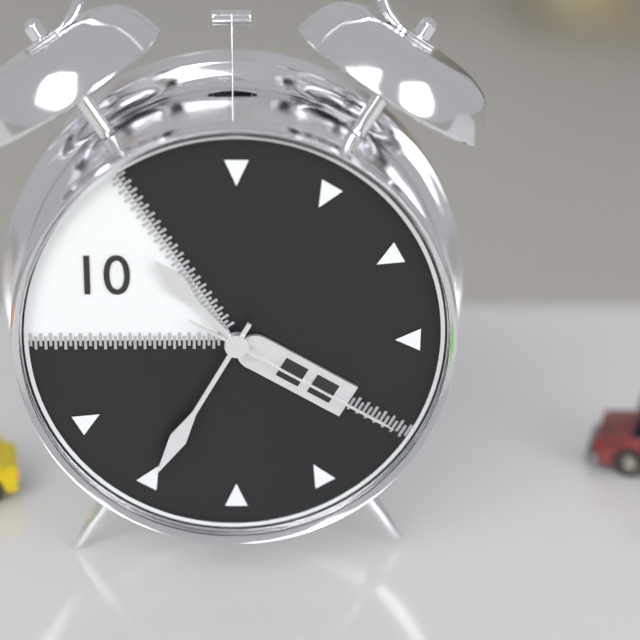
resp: 10,35,20
